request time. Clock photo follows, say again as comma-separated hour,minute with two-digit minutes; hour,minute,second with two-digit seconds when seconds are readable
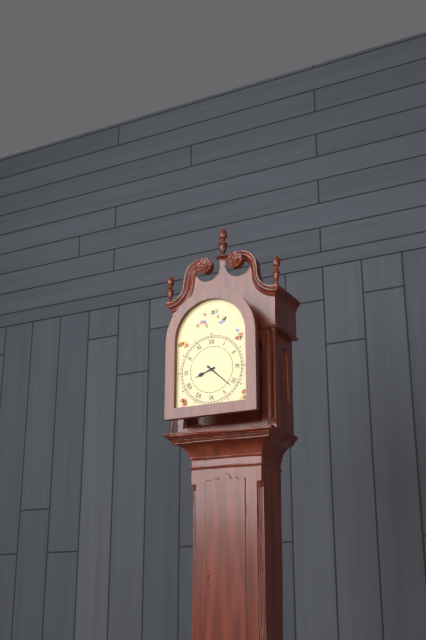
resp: 8,22
